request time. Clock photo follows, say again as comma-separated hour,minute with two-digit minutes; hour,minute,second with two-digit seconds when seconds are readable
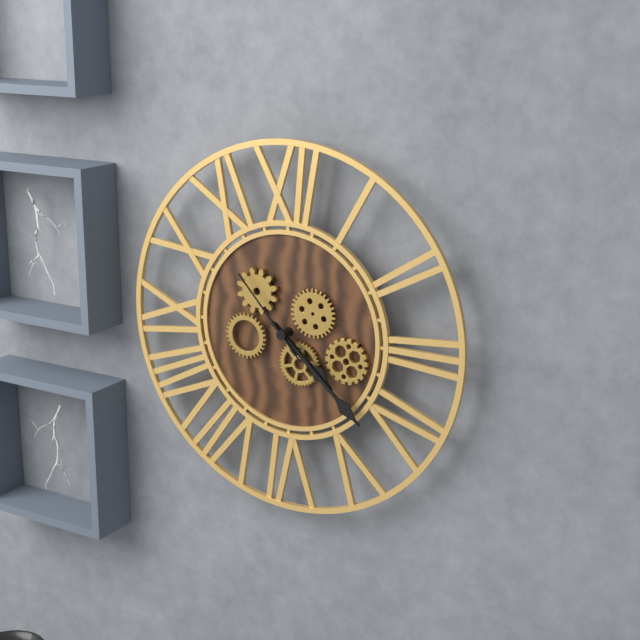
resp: 4,22,53
